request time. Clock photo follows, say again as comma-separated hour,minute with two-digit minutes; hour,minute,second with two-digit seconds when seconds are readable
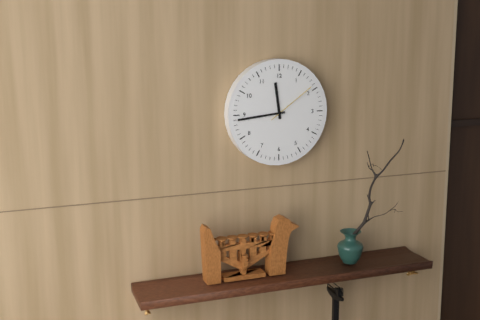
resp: 11,44,09
